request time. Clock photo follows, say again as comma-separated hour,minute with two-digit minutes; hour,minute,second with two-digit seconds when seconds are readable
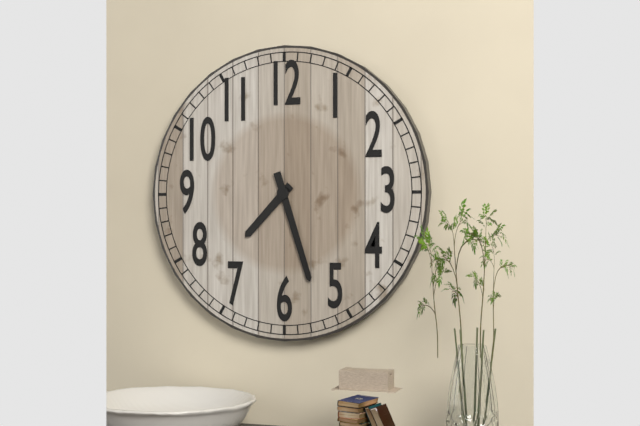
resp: 7,27
